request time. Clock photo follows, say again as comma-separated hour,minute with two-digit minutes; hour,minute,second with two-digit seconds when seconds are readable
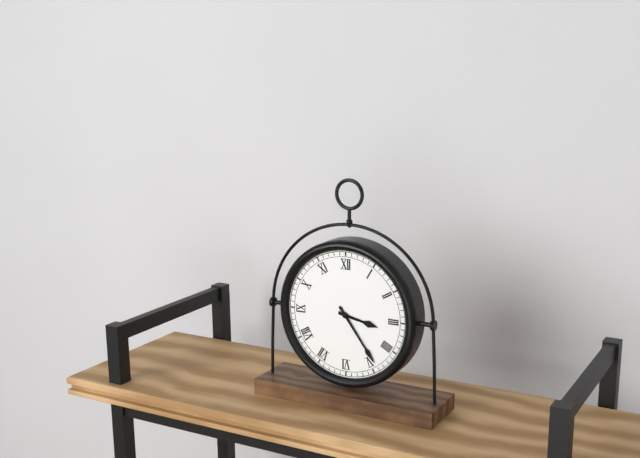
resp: 3,24
